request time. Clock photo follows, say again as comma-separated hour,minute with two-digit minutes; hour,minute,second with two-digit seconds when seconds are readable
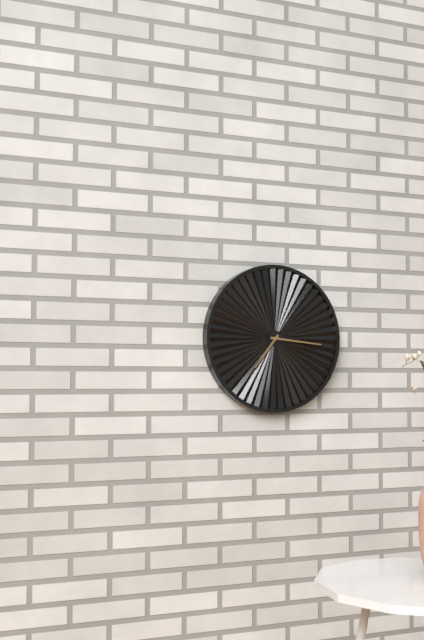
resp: 7,16
